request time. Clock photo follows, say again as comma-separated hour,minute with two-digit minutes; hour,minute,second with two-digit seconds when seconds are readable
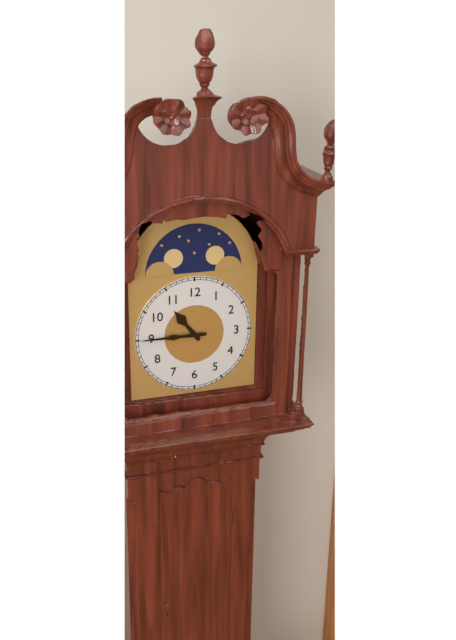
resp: 10,45
